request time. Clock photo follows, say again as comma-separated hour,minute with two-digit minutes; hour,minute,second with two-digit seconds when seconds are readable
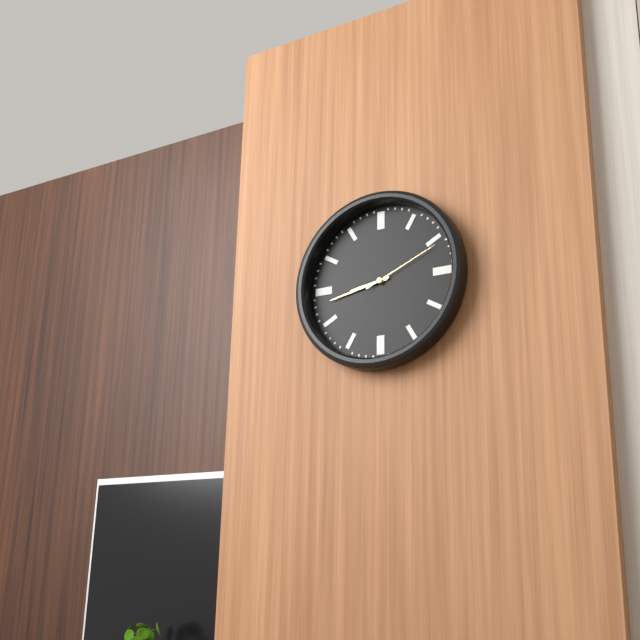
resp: 8,43,11
